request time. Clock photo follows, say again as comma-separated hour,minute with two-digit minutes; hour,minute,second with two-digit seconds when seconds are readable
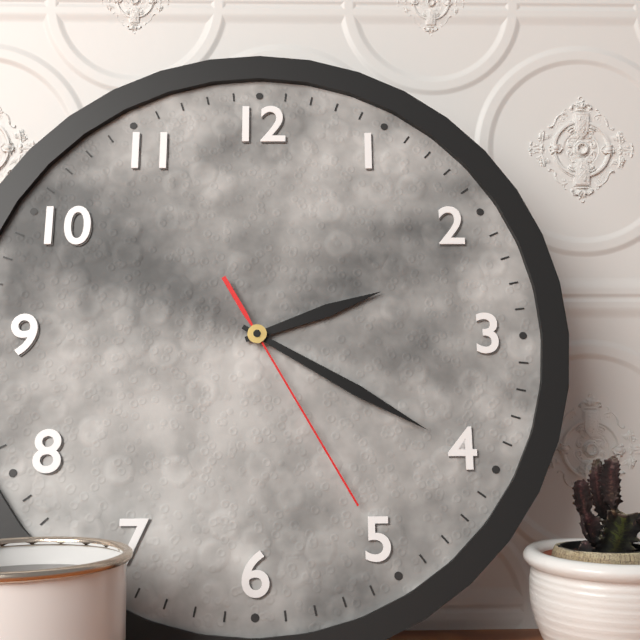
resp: 2,20,25
